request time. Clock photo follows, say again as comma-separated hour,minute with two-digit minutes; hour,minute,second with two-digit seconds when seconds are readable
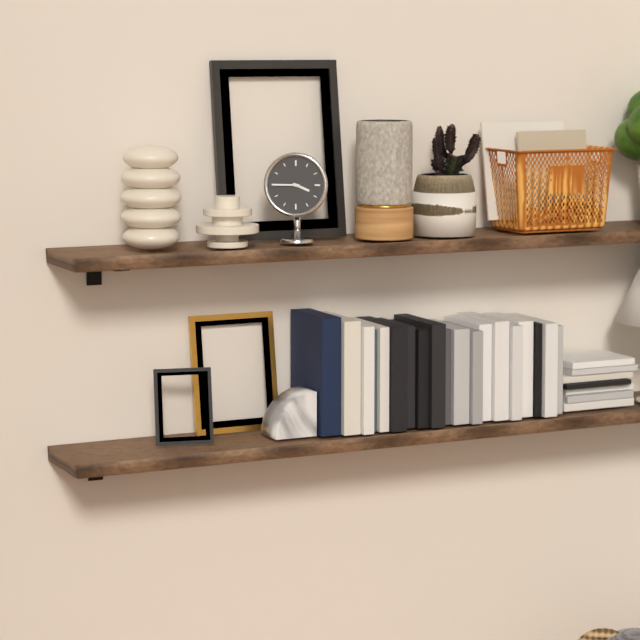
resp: 3,45
